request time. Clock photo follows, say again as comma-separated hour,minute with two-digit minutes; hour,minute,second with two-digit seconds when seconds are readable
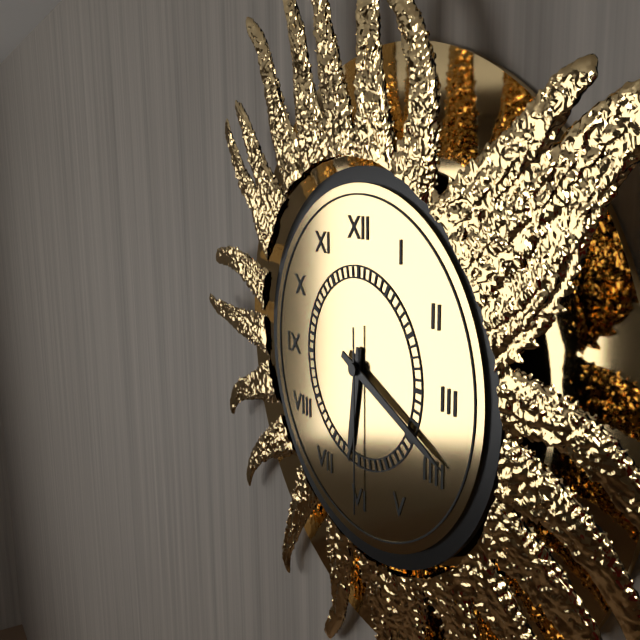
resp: 6,19,30
